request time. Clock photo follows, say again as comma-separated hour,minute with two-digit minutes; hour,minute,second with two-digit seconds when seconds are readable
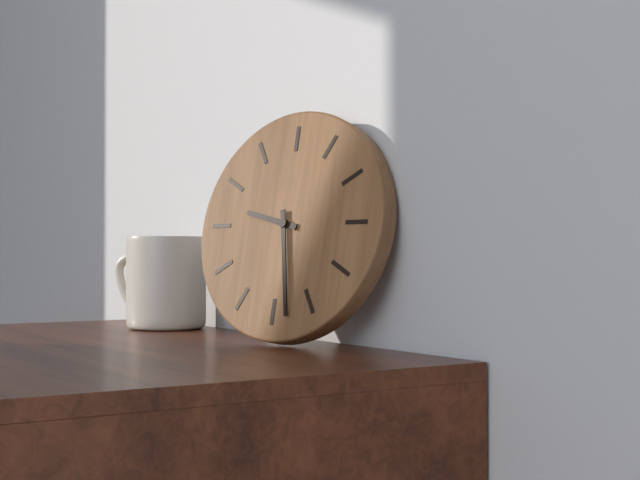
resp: 9,28
